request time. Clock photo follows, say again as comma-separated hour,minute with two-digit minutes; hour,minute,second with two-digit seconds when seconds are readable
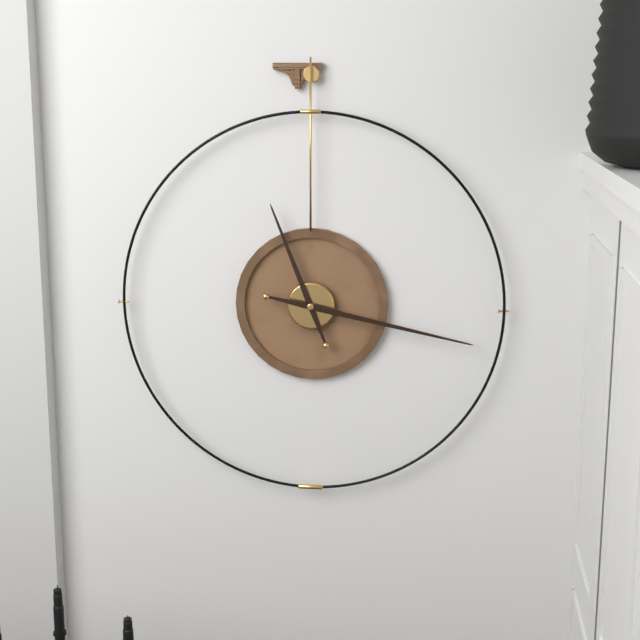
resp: 11,17
